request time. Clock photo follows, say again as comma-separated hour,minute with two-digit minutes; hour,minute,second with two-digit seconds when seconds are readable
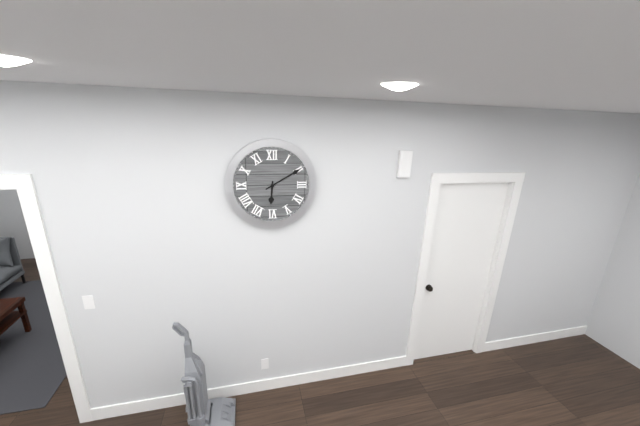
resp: 6,10
